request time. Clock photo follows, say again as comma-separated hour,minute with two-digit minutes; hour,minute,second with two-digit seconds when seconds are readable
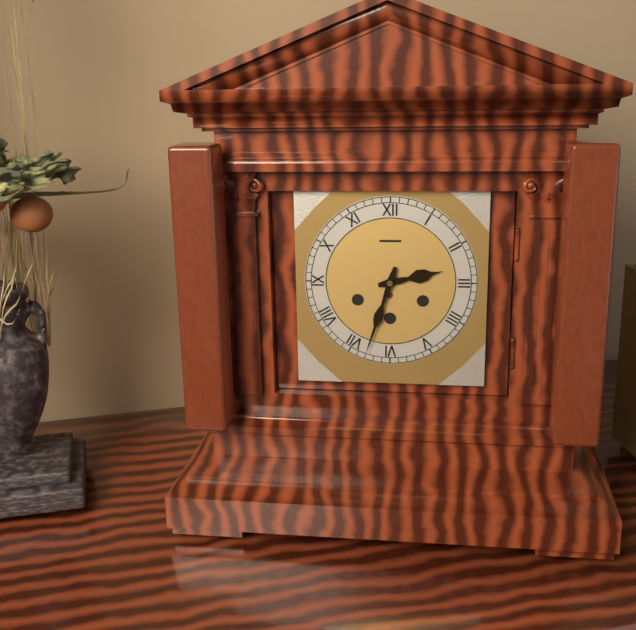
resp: 2,33
